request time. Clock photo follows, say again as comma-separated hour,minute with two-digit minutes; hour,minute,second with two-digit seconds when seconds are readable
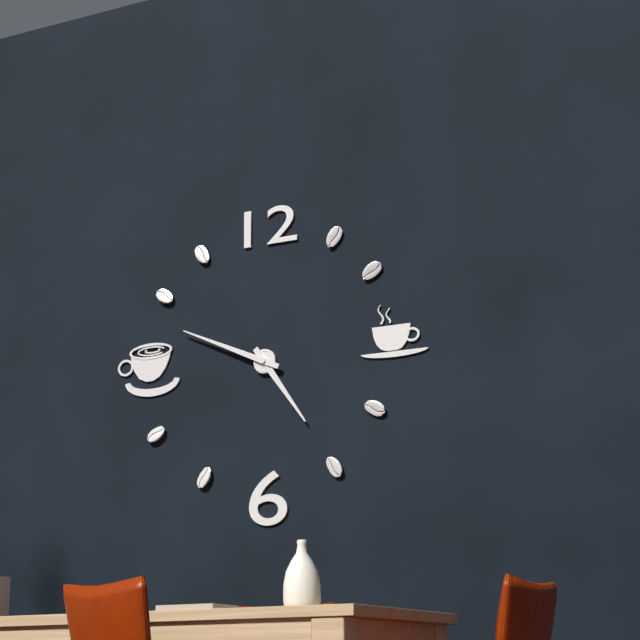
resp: 4,49
